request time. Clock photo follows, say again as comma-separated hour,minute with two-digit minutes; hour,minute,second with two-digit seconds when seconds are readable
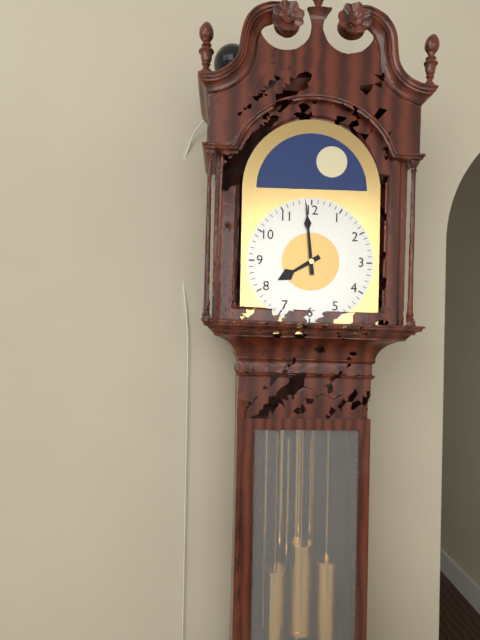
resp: 7,59
